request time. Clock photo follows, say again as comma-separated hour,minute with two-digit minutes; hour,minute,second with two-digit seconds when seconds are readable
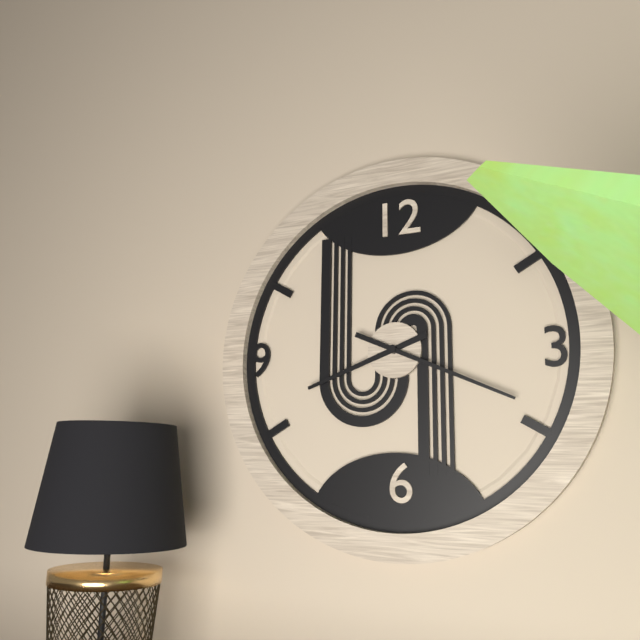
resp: 8,19
